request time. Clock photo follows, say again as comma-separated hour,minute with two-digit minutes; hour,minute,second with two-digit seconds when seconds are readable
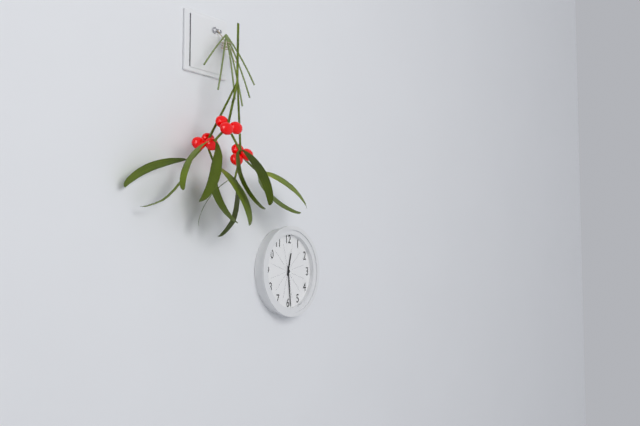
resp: 12,29
